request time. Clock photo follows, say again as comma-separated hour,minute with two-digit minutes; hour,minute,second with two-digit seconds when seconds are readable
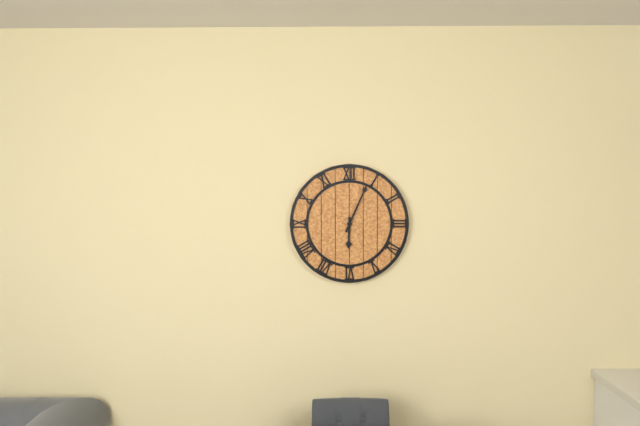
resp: 6,04
